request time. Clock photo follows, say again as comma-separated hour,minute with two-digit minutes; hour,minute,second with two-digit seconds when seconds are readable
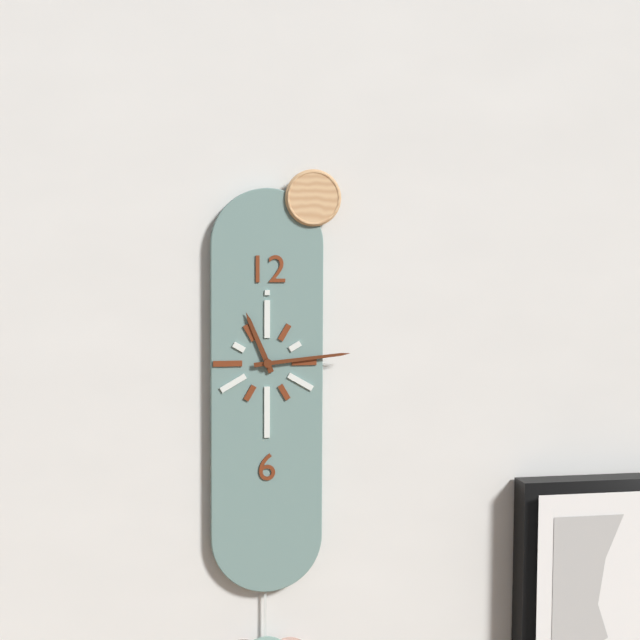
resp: 11,14
